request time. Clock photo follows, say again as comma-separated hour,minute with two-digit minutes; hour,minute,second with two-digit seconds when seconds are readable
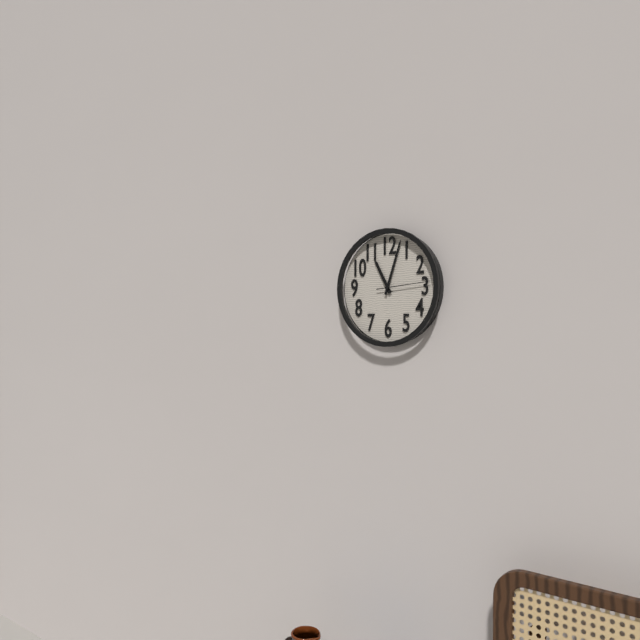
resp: 11,03
